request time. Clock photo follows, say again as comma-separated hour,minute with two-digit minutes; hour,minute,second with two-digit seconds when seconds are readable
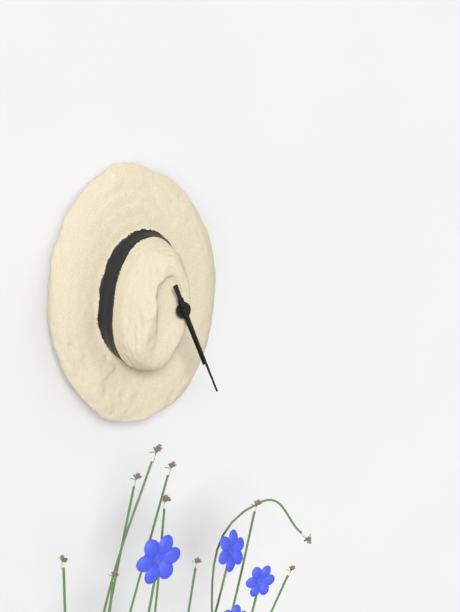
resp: 5,27
